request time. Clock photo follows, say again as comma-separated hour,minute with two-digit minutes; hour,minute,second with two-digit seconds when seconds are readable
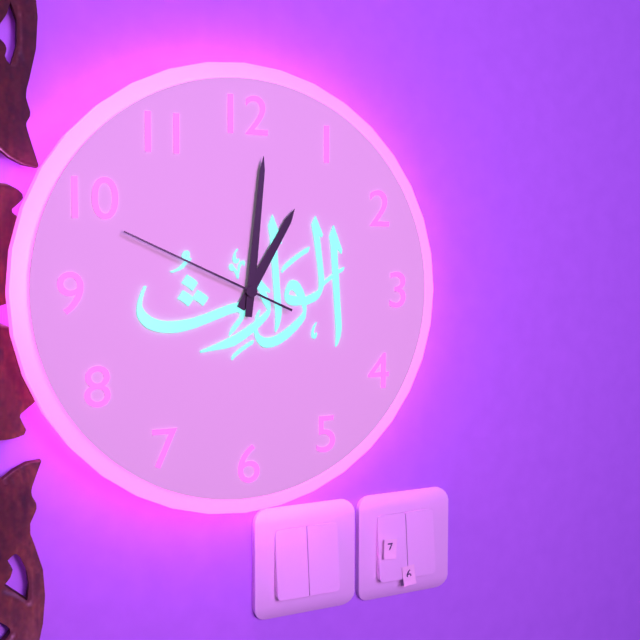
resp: 1,01,49
